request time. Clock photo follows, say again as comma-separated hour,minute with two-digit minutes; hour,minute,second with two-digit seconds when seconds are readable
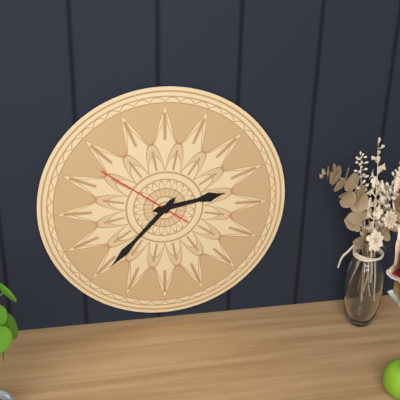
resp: 2,37,51
